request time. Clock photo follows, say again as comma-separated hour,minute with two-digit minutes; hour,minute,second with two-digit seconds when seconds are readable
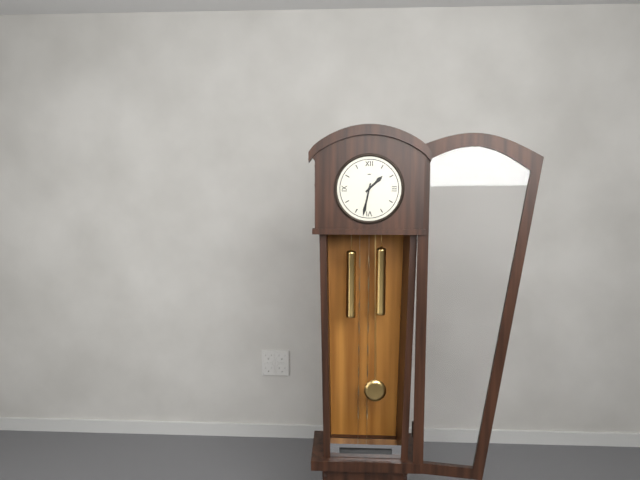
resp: 1,32
